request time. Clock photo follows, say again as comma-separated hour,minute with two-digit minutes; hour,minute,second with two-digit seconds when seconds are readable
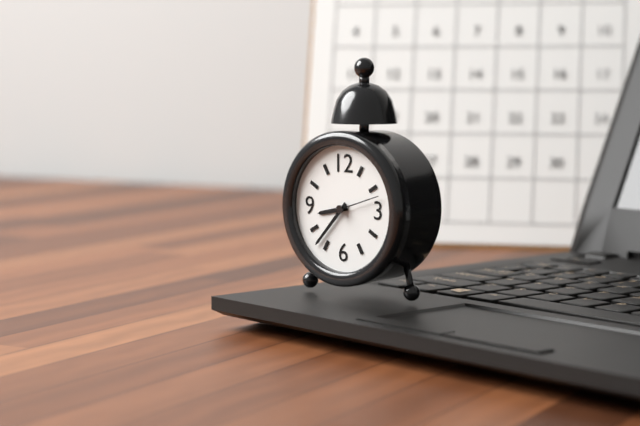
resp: 8,37,12
